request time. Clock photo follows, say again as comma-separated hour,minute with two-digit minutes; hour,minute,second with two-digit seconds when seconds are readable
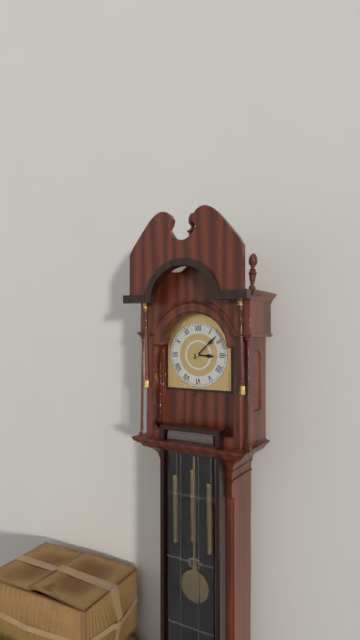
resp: 3,08
